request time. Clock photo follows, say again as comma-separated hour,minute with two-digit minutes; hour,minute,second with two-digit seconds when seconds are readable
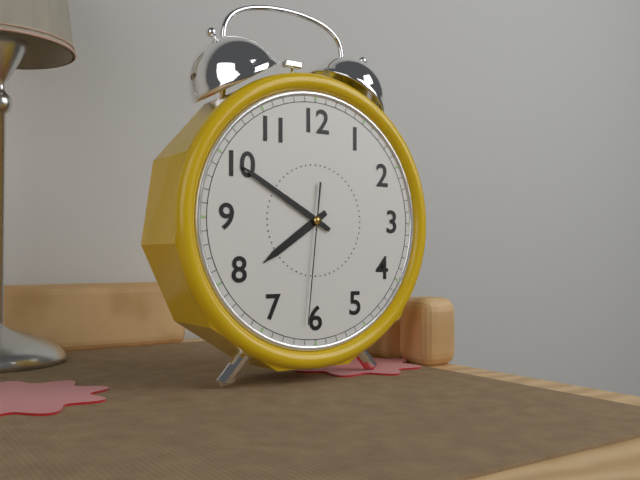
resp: 7,50,31
